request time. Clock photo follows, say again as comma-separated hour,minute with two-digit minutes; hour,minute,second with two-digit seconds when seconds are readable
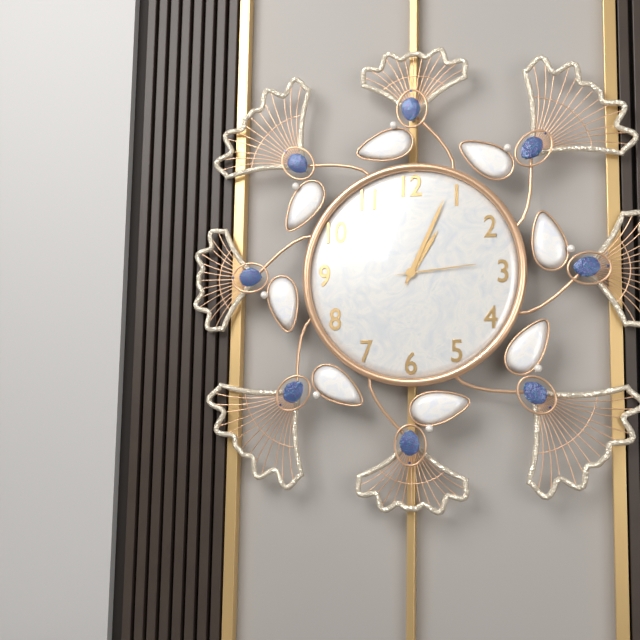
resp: 1,04,14
